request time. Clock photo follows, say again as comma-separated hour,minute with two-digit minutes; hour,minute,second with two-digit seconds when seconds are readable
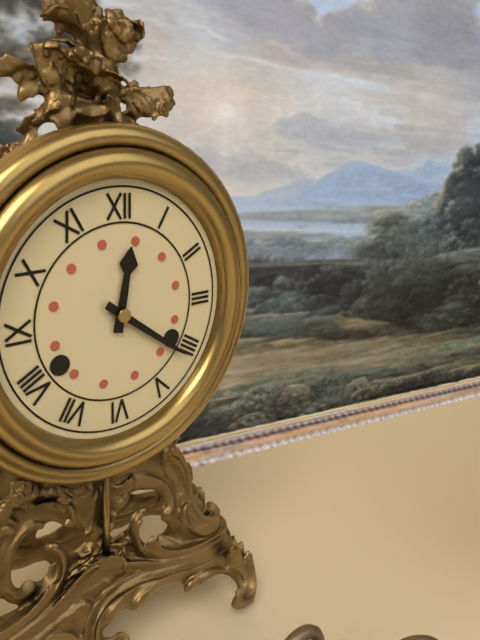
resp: 12,21
